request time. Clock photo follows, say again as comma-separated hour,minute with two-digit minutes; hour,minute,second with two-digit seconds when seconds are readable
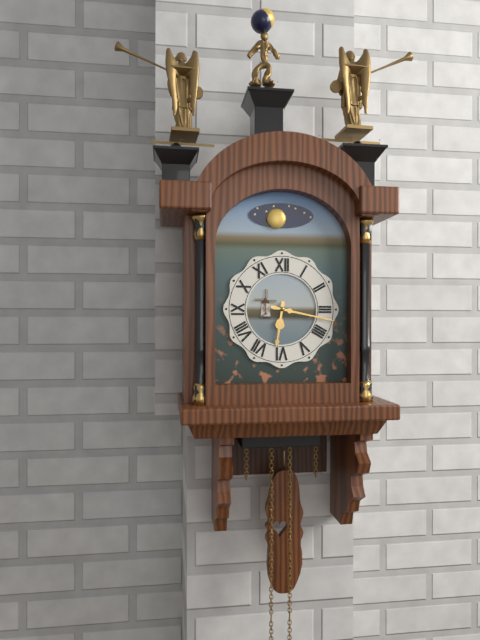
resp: 6,17
